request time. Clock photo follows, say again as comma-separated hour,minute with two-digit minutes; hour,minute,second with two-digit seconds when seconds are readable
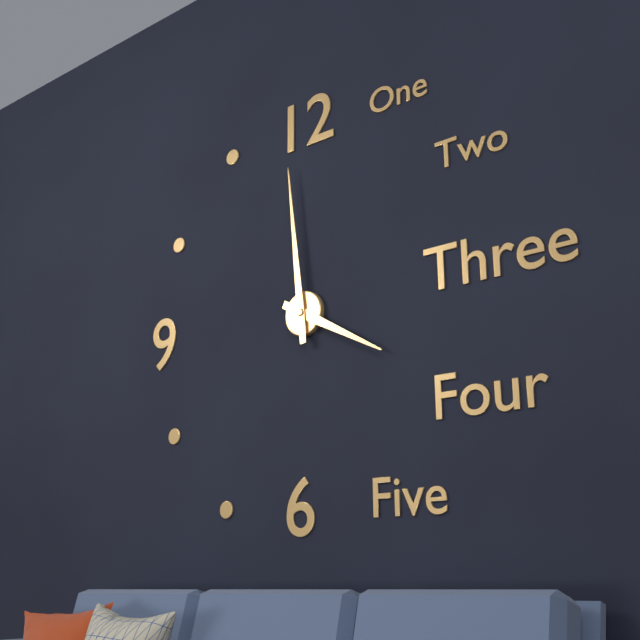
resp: 3,59
